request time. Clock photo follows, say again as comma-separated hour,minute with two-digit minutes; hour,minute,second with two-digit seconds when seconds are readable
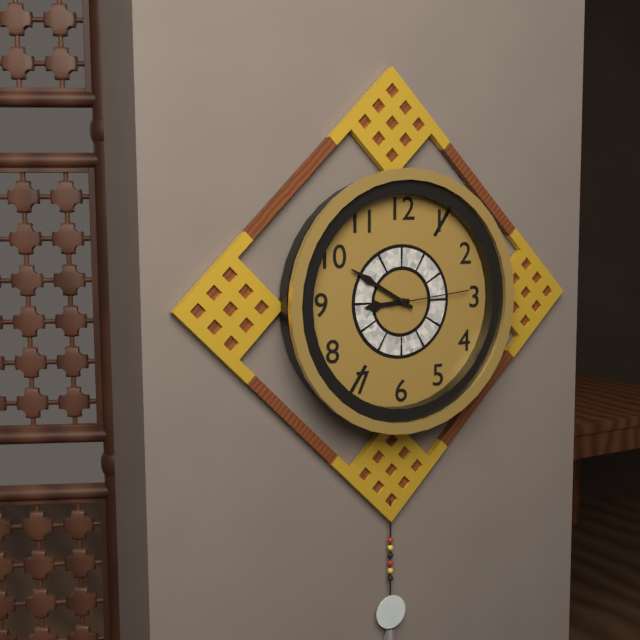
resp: 8,50,14
